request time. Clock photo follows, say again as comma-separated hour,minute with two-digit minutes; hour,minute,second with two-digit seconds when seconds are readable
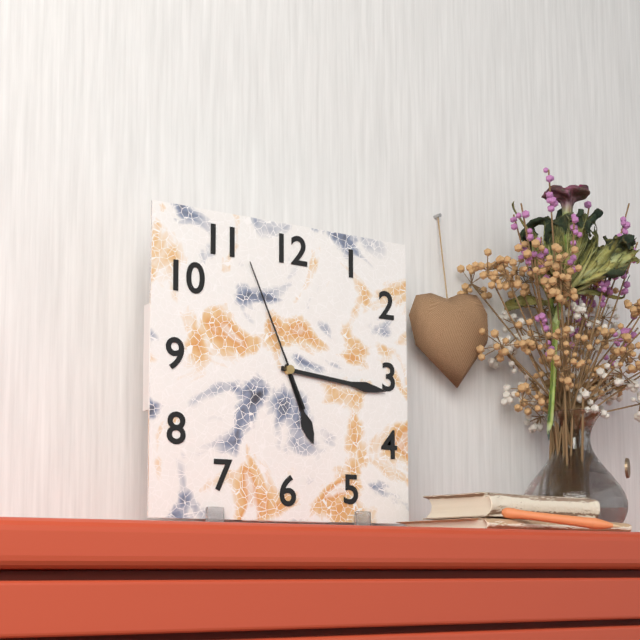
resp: 5,16,56
